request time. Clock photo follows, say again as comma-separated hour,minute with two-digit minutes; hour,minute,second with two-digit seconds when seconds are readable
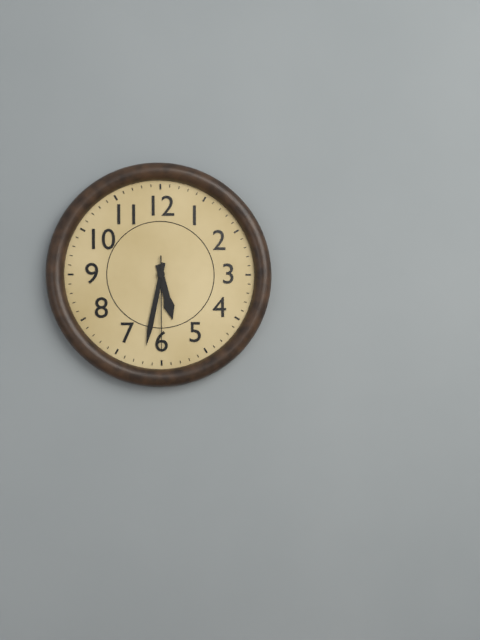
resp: 5,32,30
